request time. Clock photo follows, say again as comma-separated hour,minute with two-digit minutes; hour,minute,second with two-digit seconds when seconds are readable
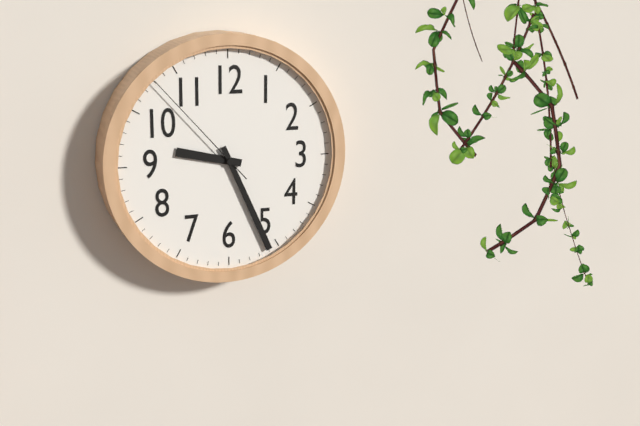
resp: 9,26,53
